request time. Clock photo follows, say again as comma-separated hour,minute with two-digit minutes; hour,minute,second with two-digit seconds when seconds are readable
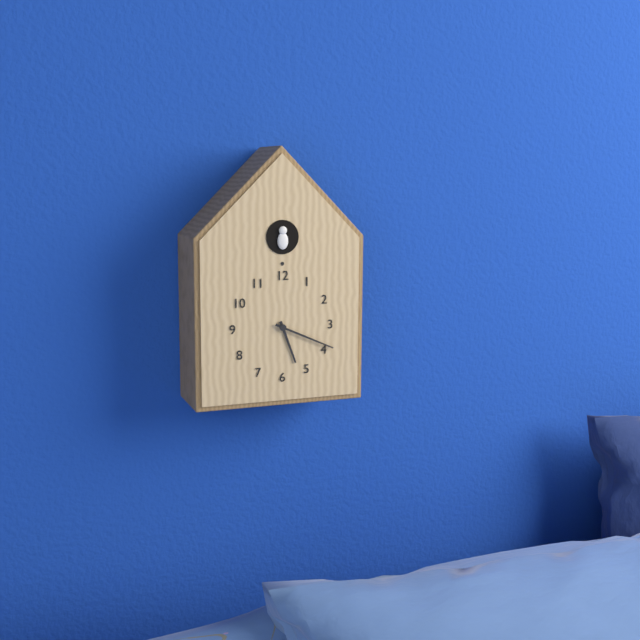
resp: 5,19
